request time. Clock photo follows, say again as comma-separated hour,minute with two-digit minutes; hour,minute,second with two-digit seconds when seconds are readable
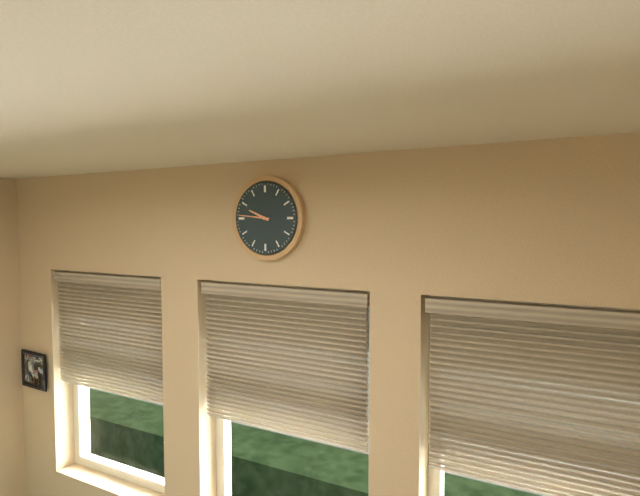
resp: 9,46
